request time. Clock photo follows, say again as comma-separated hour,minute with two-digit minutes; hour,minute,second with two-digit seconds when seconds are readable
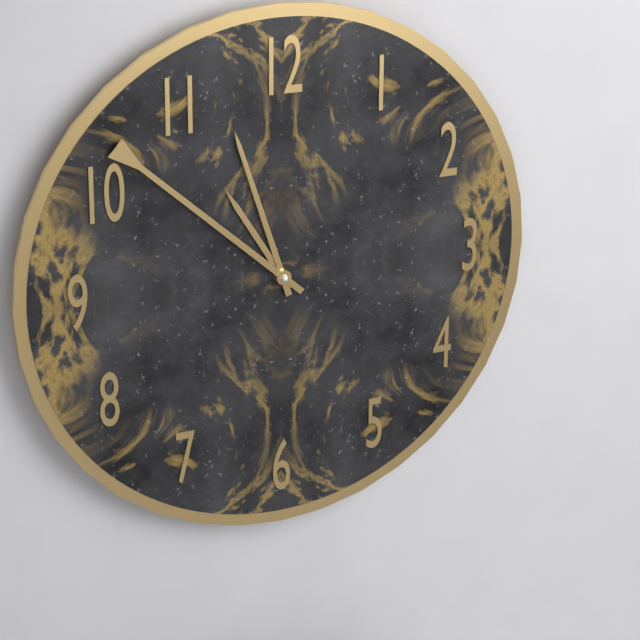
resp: 10,57,52
